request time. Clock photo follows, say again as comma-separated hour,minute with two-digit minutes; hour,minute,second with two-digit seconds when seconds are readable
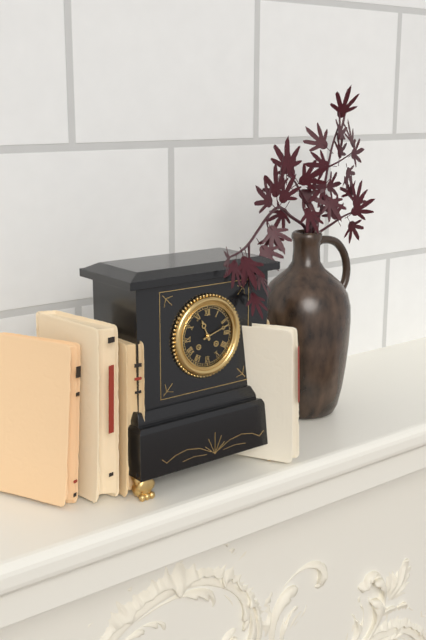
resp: 11,12
